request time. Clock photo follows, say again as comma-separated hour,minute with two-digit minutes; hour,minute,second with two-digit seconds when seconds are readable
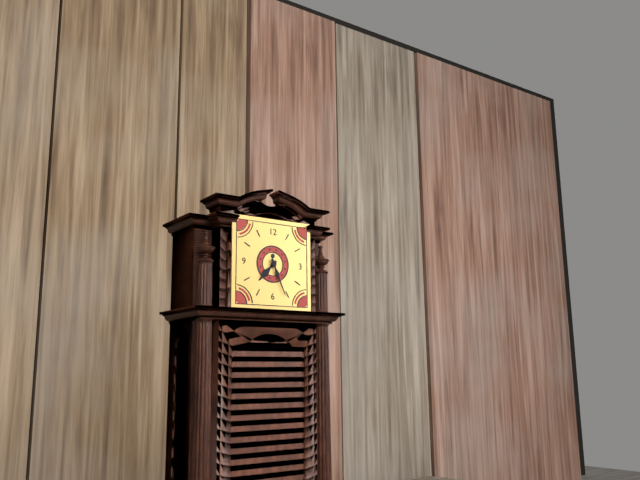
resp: 7,26
